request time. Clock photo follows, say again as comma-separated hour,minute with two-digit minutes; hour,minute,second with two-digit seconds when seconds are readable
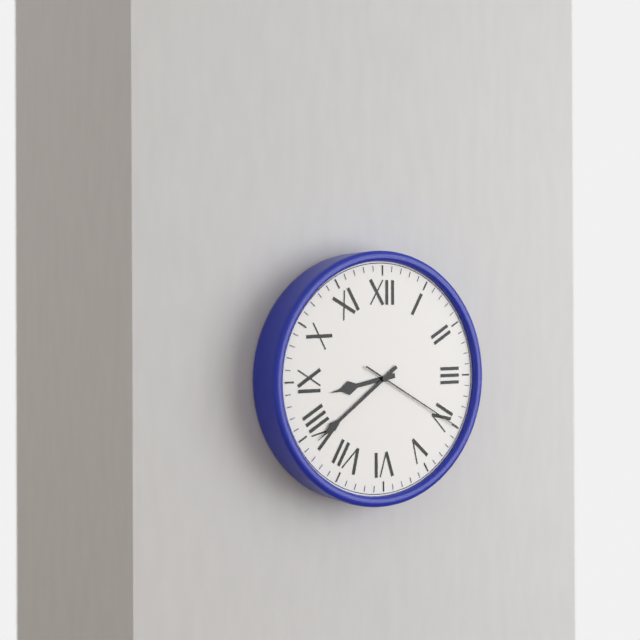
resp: 8,39,20
